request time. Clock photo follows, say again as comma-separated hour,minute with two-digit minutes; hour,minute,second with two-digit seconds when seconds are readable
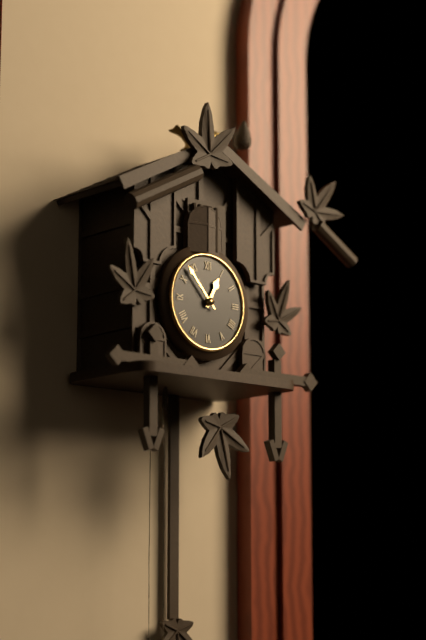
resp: 12,53
